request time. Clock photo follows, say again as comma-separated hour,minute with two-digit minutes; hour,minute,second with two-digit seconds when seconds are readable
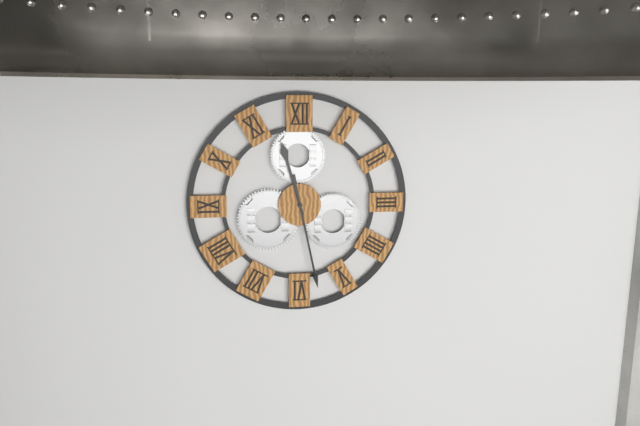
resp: 11,28
